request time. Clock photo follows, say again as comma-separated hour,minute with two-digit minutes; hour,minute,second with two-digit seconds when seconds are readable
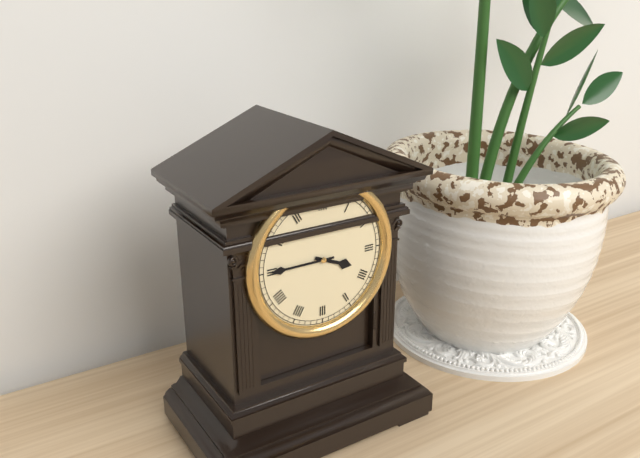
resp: 3,45
